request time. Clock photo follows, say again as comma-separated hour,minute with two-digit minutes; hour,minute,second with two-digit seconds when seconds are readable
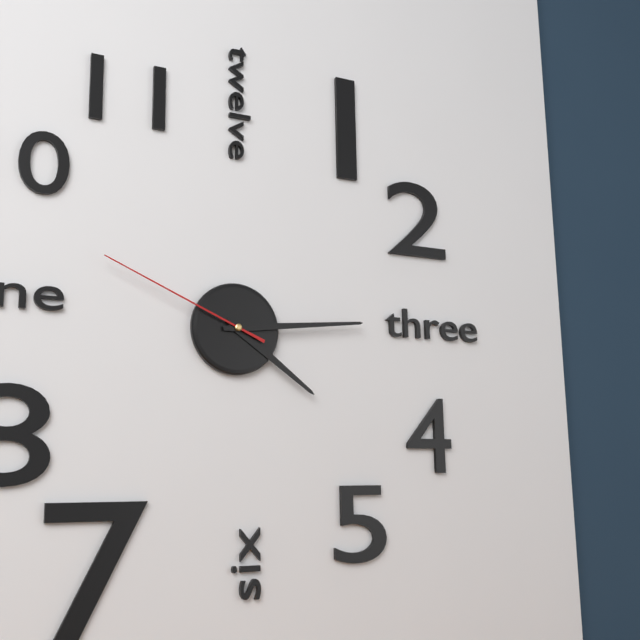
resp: 4,14,49
